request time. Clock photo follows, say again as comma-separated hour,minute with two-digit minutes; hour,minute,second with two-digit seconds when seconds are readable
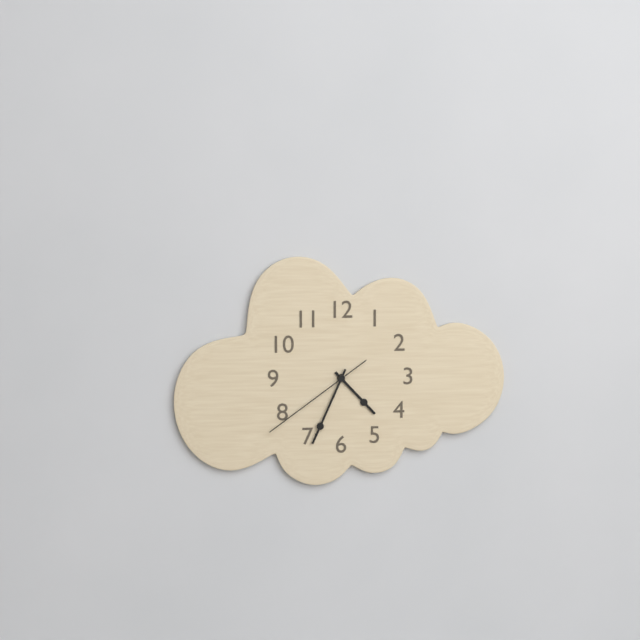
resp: 4,34,39
